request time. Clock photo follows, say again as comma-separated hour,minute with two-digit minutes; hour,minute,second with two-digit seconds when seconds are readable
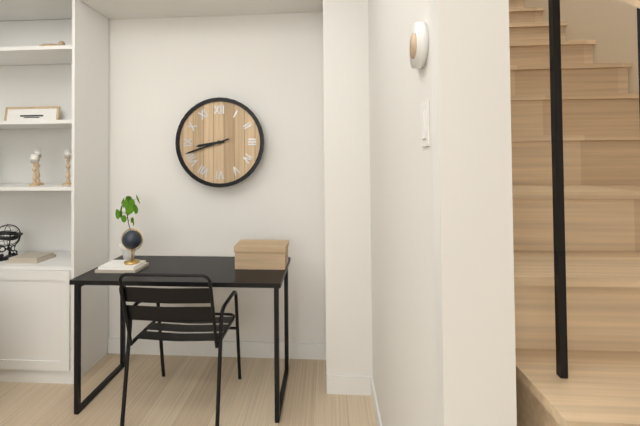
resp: 8,42
